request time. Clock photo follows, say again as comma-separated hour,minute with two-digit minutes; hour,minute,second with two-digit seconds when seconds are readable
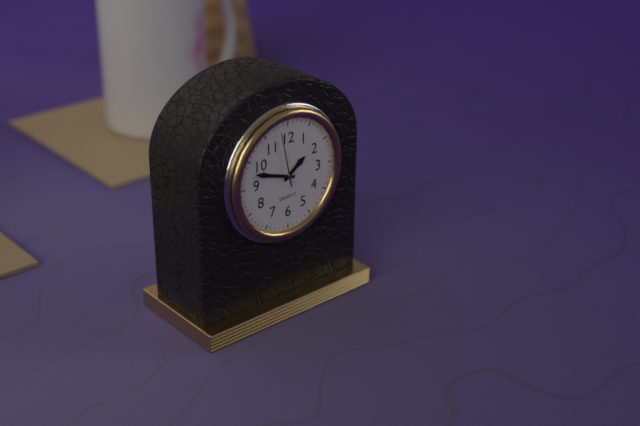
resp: 1,48,58
